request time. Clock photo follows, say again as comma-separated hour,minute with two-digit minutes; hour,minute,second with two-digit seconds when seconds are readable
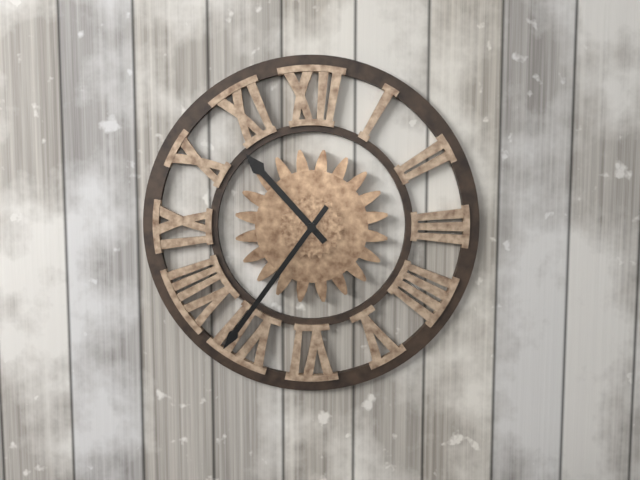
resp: 10,36
